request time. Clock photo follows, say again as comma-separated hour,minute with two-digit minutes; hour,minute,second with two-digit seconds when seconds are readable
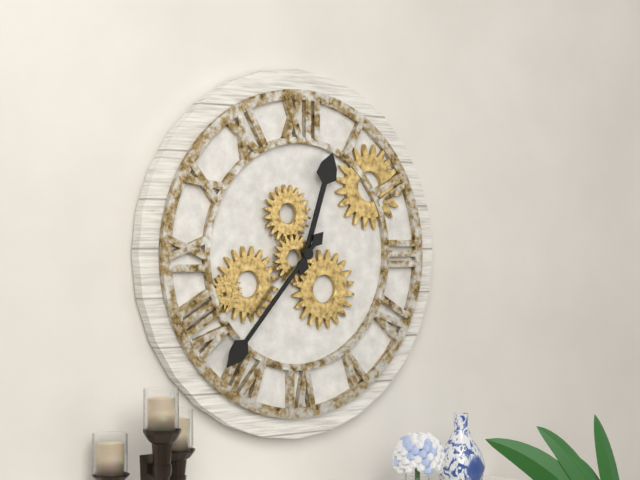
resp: 12,37
